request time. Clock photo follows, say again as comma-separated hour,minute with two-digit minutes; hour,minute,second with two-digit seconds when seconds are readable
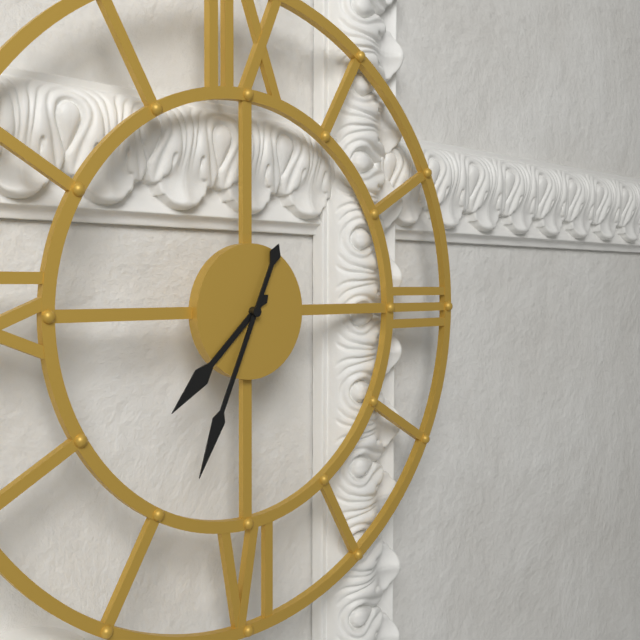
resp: 7,34
